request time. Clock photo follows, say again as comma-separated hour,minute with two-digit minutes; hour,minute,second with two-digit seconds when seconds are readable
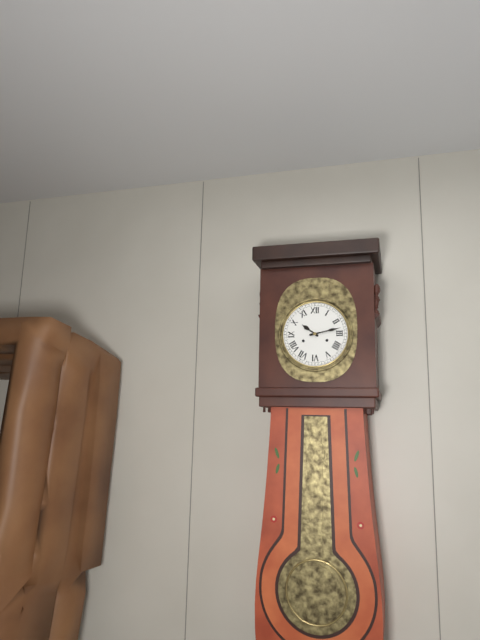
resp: 10,13
